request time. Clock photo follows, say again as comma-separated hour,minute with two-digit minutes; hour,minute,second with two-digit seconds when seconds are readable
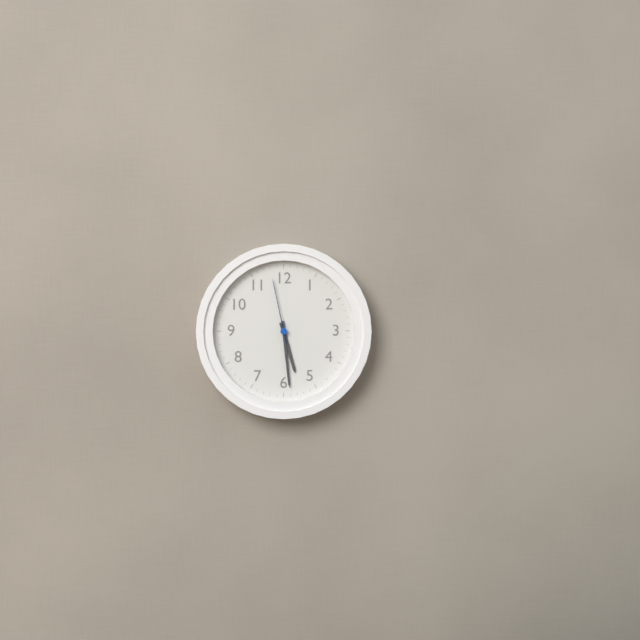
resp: 5,29,58
